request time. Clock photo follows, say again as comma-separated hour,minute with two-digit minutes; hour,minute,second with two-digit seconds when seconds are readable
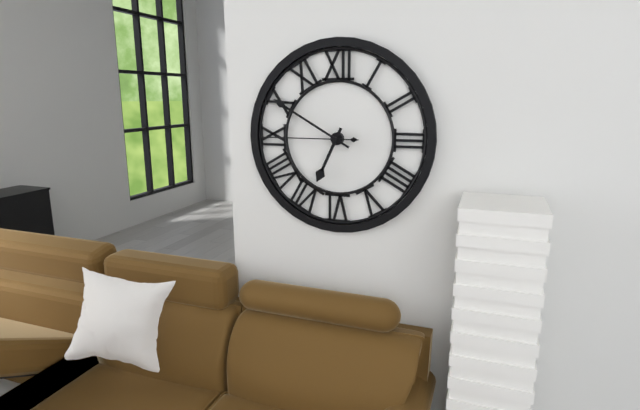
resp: 6,50,45
